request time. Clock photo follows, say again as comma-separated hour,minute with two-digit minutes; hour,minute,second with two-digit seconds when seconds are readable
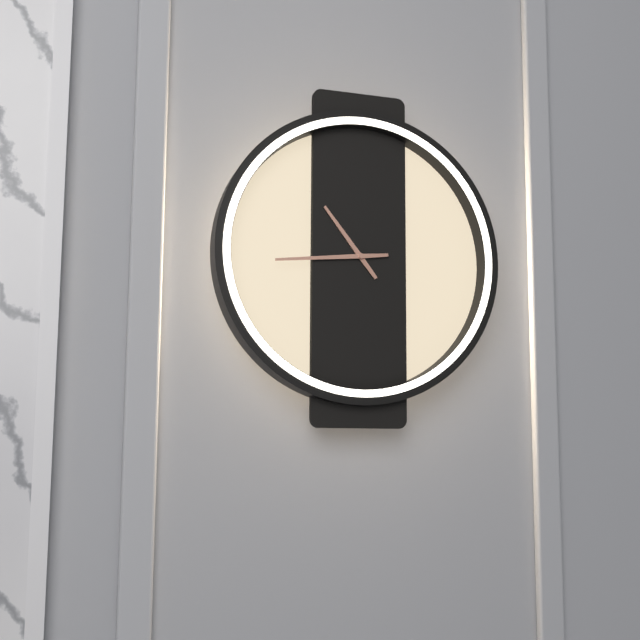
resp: 10,44
